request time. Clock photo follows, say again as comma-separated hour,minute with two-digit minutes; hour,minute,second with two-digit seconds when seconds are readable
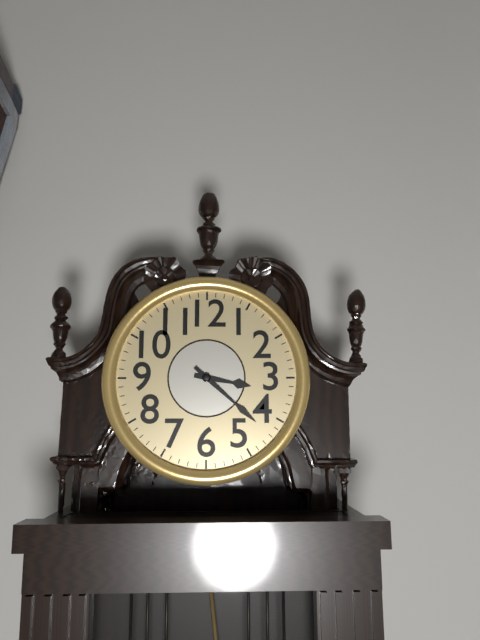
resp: 3,22
